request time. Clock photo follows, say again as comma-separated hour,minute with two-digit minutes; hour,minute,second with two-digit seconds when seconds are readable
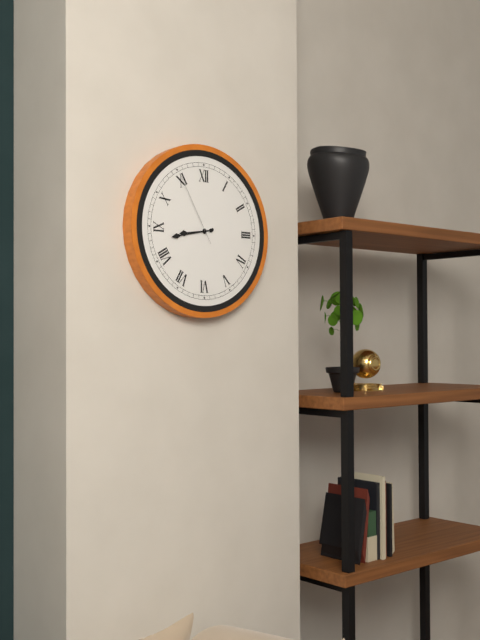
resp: 8,43,55
